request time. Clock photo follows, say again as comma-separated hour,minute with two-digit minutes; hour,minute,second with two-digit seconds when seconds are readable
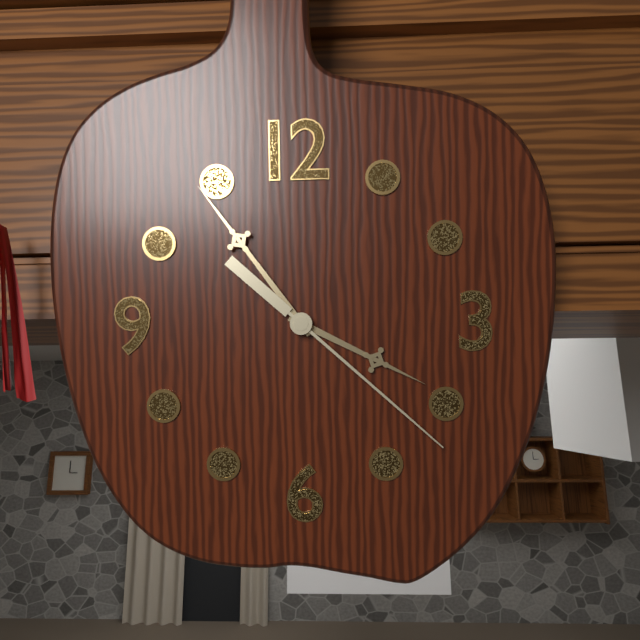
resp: 3,54,22
